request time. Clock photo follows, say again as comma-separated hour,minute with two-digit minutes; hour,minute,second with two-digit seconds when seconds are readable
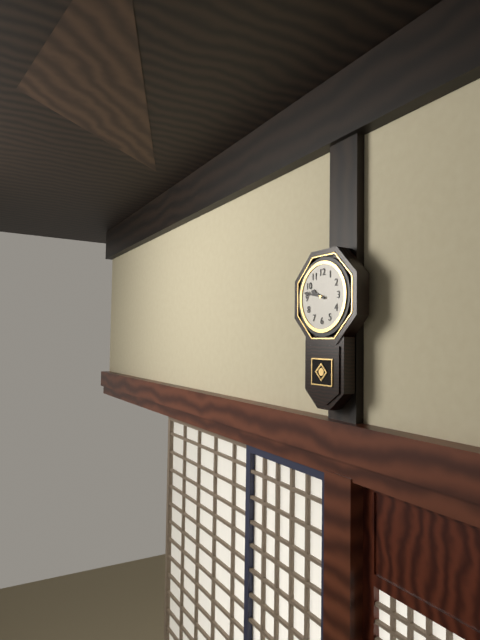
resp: 9,47
